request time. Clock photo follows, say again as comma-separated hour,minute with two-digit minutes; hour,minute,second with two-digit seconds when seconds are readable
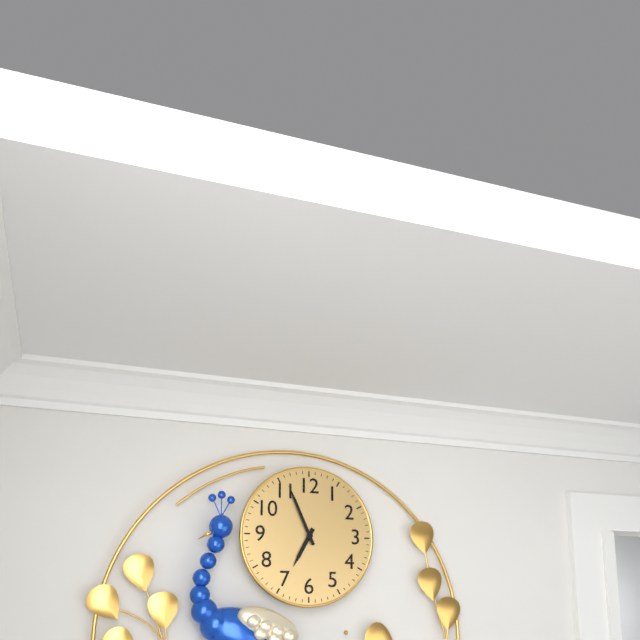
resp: 6,56
